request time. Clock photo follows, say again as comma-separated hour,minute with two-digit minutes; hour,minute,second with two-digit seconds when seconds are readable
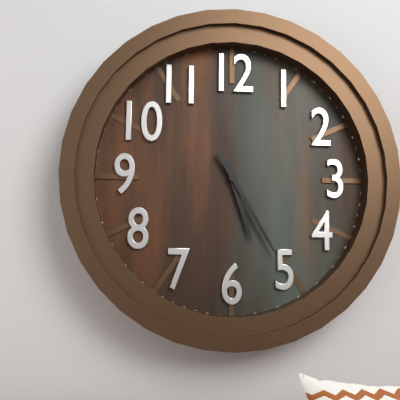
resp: 5,25
